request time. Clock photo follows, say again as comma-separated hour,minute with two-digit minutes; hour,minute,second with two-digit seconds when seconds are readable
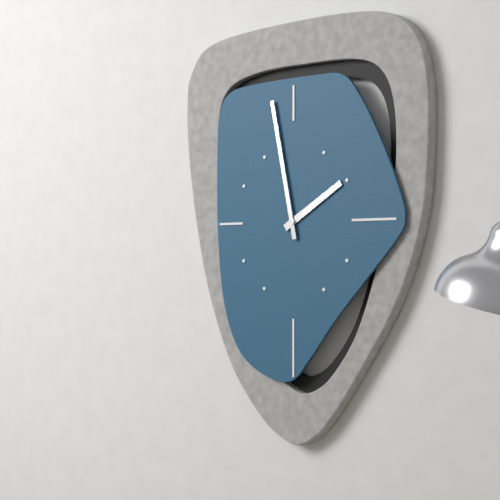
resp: 1,58
